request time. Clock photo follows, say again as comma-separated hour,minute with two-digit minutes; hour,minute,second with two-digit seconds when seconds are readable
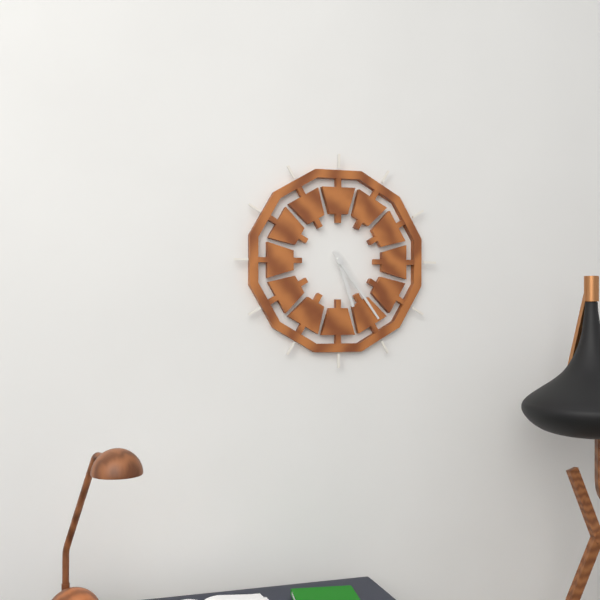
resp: 5,24
